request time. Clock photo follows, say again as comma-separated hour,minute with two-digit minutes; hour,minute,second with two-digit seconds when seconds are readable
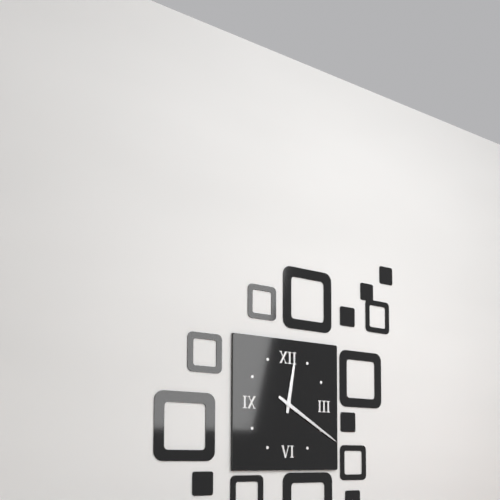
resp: 12,20
